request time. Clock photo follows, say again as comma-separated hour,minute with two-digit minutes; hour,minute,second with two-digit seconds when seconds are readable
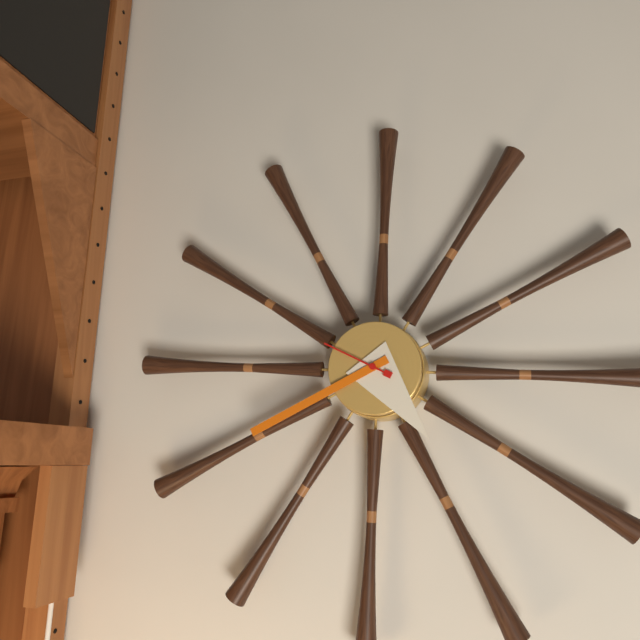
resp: 4,40,49
